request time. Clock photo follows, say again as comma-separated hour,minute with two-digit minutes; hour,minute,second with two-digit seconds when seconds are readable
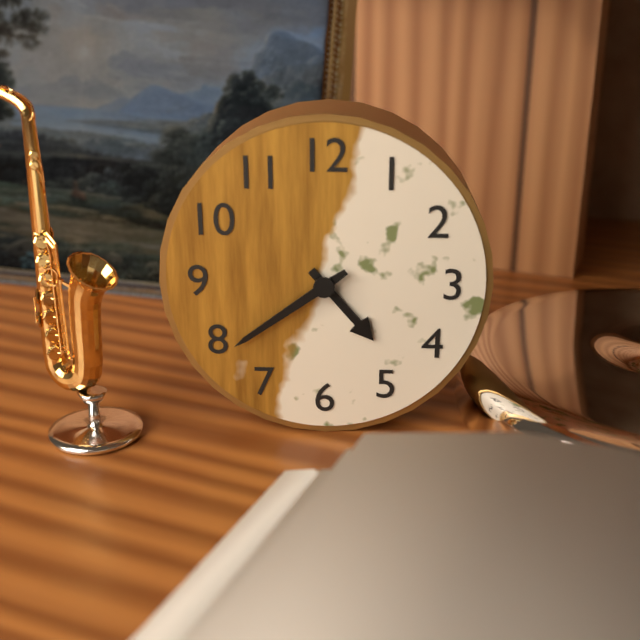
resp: 4,39
